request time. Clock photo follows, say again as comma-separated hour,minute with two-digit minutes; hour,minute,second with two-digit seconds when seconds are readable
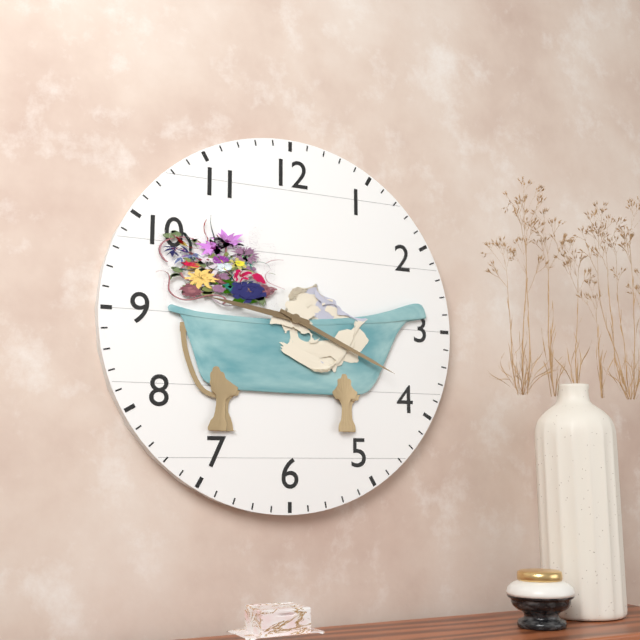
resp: 9,19
